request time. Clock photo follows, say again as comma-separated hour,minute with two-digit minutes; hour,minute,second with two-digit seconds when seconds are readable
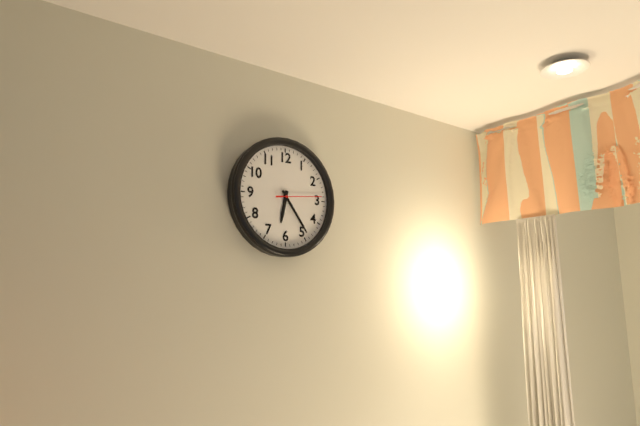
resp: 6,24
